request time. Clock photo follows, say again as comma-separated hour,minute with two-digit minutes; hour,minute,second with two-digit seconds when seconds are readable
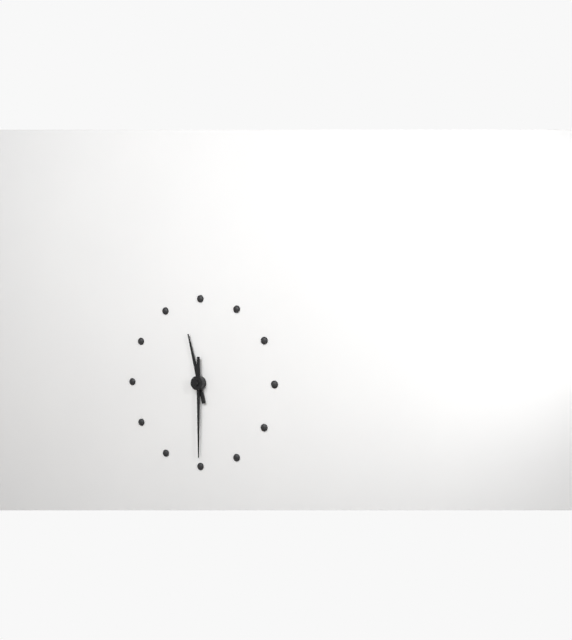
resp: 11,30
